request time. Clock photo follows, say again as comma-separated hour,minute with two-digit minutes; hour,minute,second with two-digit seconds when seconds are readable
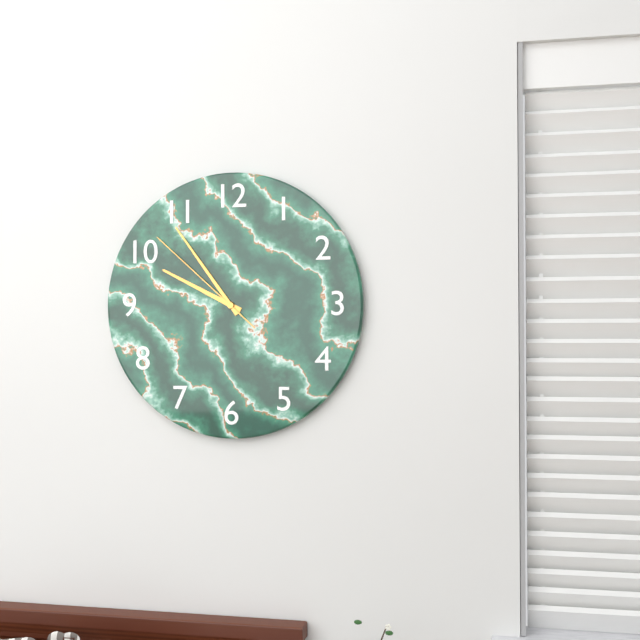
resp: 9,54,52
